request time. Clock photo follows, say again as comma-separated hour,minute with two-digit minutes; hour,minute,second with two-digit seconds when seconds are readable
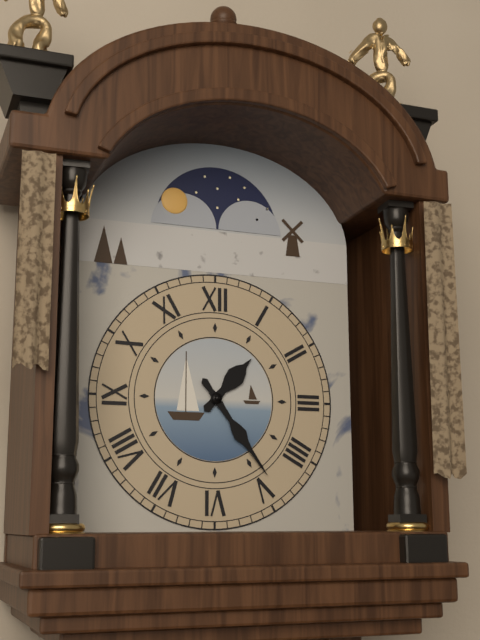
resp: 1,24
